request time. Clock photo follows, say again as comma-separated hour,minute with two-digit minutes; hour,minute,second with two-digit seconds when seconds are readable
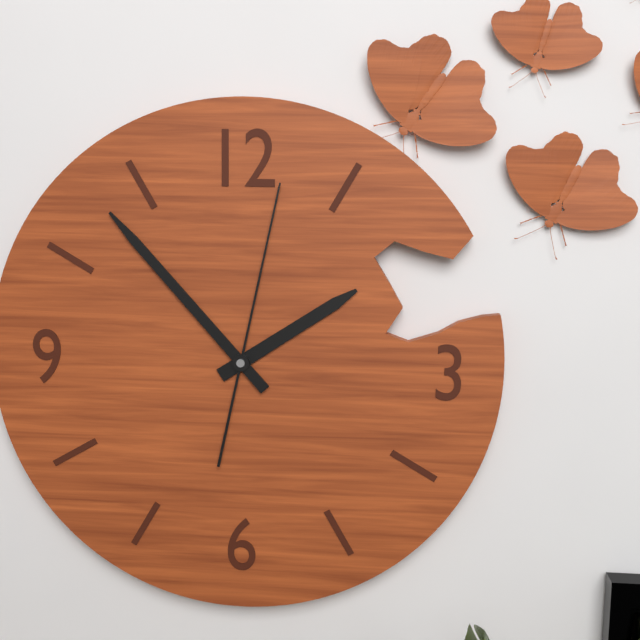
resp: 1,53,02
